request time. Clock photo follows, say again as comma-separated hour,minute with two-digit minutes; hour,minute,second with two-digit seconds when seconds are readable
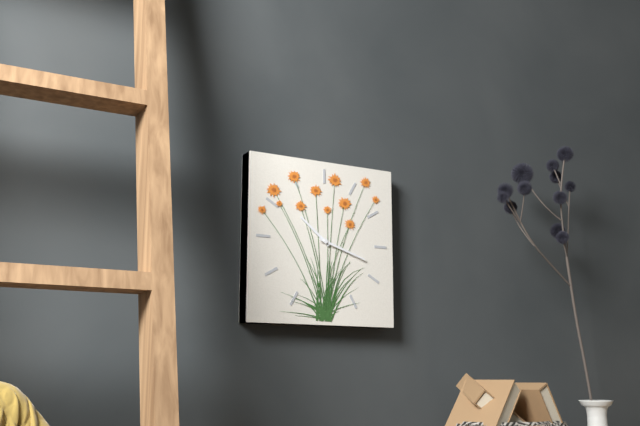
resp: 10,18
